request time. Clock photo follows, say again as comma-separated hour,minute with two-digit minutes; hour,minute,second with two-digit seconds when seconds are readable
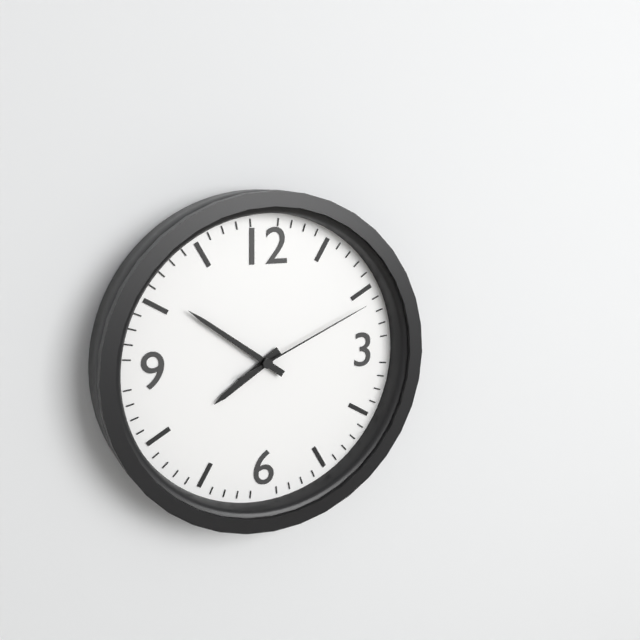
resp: 7,51,11
